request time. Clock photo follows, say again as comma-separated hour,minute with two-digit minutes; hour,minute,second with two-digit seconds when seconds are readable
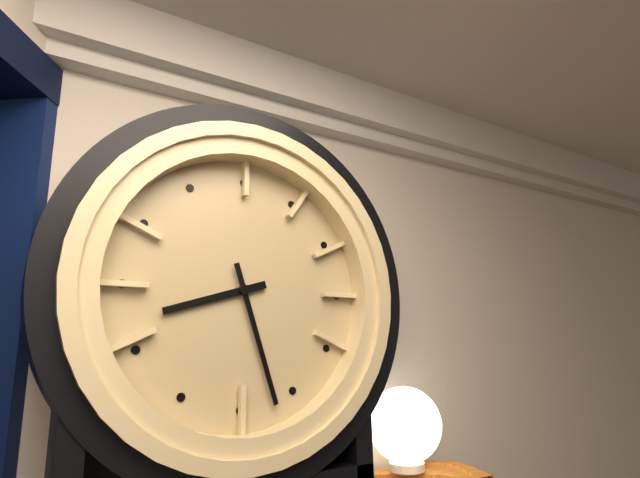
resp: 8,27
